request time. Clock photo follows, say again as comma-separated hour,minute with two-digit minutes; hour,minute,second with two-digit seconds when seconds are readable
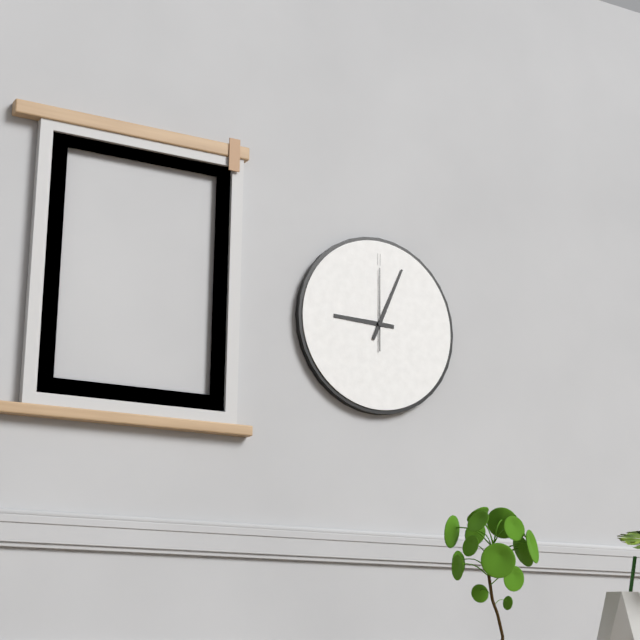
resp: 9,04,00
